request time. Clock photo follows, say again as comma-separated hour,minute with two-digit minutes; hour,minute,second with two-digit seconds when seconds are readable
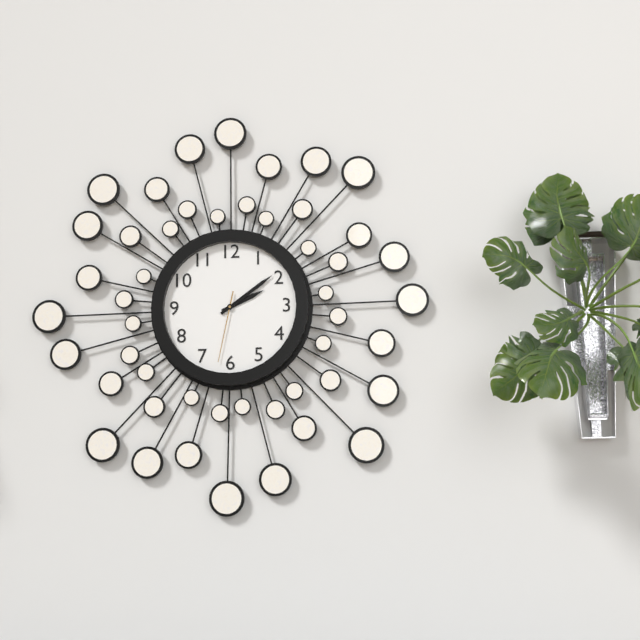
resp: 2,09,32
